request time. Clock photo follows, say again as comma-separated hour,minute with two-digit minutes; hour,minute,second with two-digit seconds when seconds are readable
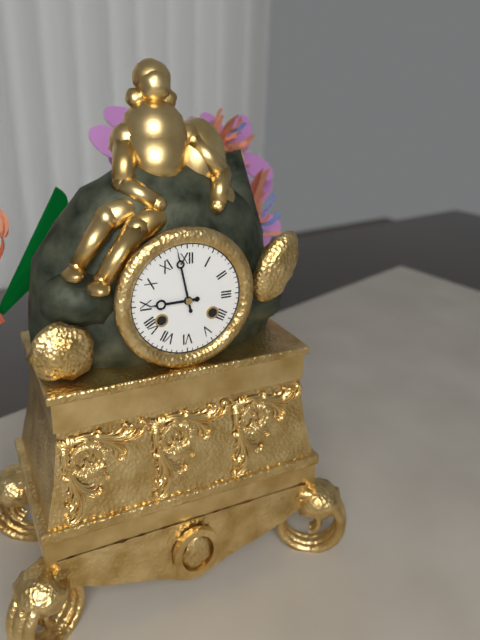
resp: 8,58
